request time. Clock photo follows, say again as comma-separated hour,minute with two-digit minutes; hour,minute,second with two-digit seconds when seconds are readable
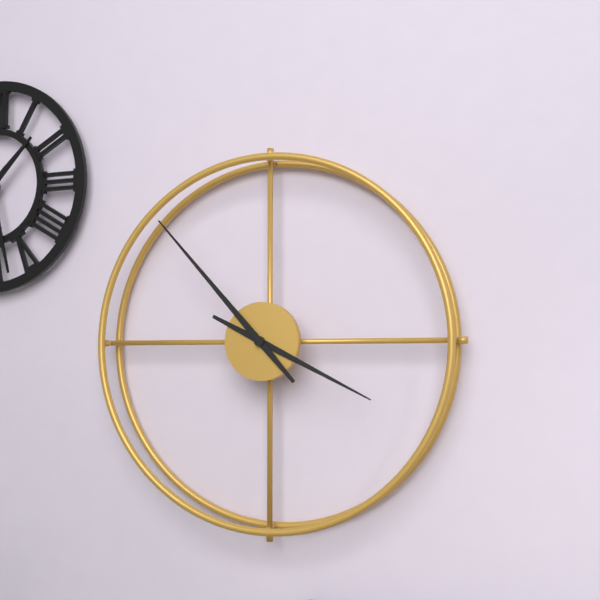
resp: 3,53
